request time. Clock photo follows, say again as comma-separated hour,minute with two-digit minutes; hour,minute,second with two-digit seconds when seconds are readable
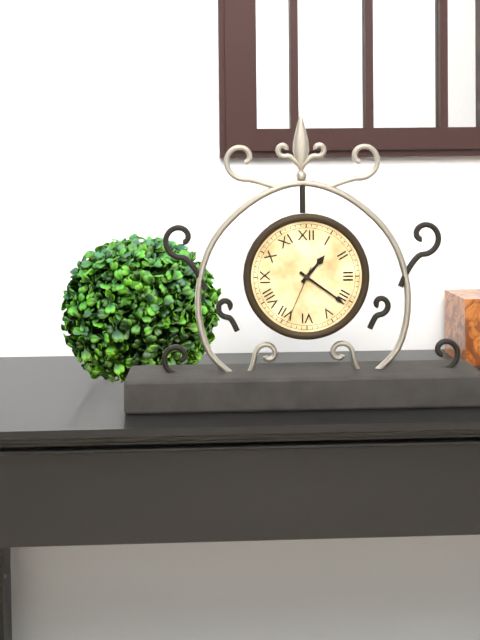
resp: 1,21,34
